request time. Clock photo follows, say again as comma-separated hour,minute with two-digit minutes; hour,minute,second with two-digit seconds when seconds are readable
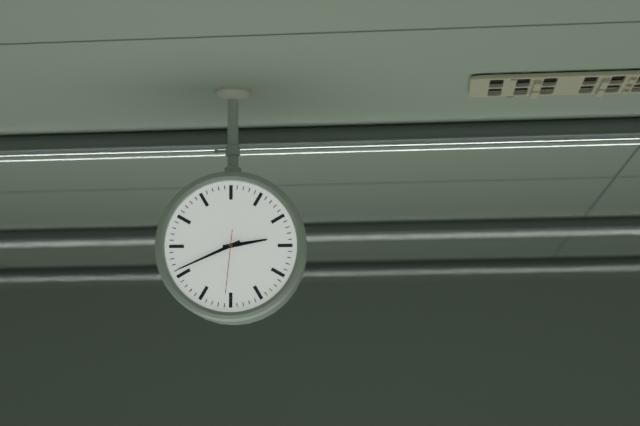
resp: 2,41,31
